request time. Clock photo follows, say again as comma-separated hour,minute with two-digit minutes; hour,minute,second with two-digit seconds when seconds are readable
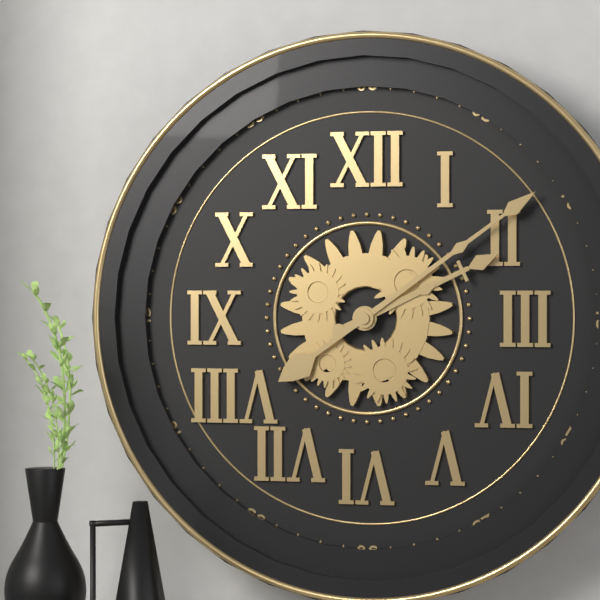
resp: 2,09
